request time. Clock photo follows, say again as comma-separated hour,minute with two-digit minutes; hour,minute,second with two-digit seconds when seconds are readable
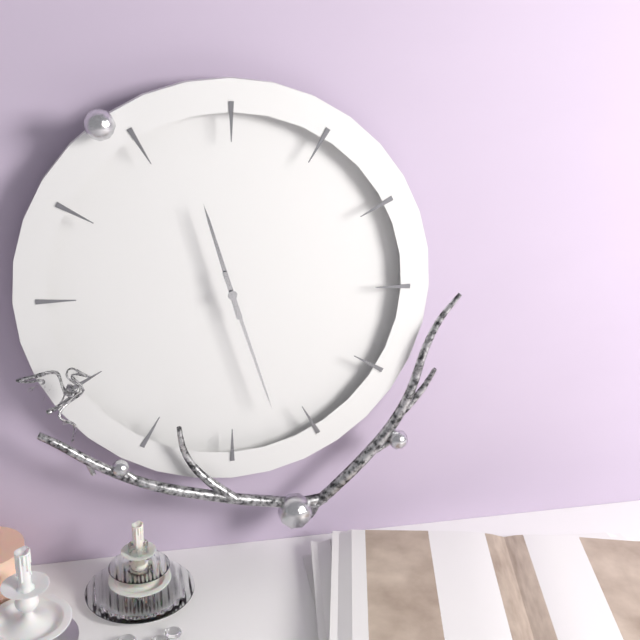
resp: 11,27
